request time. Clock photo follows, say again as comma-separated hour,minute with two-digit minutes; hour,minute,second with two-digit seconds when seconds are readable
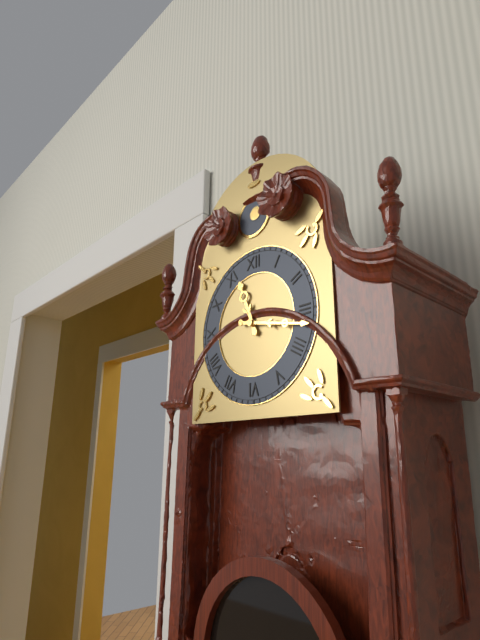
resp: 11,17
